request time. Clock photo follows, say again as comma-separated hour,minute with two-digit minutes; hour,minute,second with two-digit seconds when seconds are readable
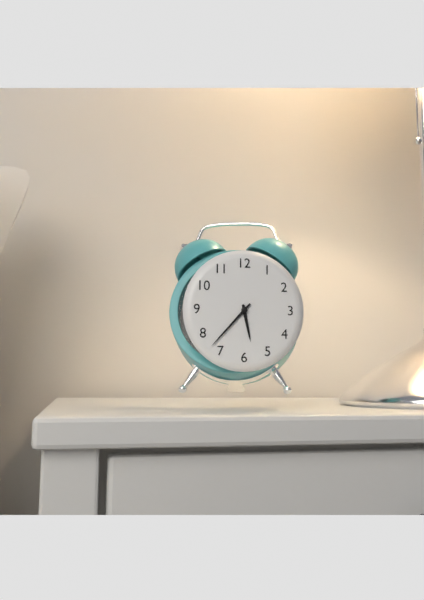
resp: 5,37
